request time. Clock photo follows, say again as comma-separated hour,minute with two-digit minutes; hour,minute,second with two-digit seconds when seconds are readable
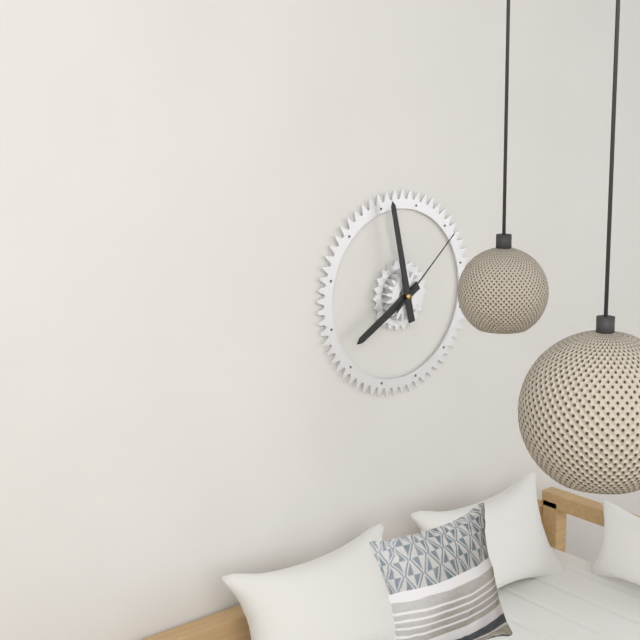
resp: 7,58,08
